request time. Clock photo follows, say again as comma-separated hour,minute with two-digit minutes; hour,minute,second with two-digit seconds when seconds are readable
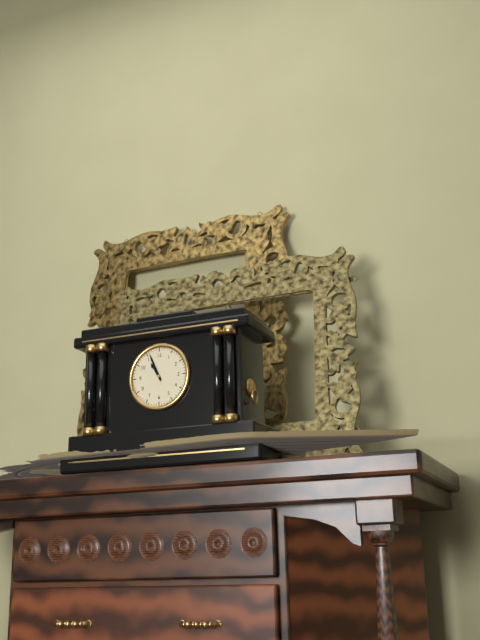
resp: 10,56
